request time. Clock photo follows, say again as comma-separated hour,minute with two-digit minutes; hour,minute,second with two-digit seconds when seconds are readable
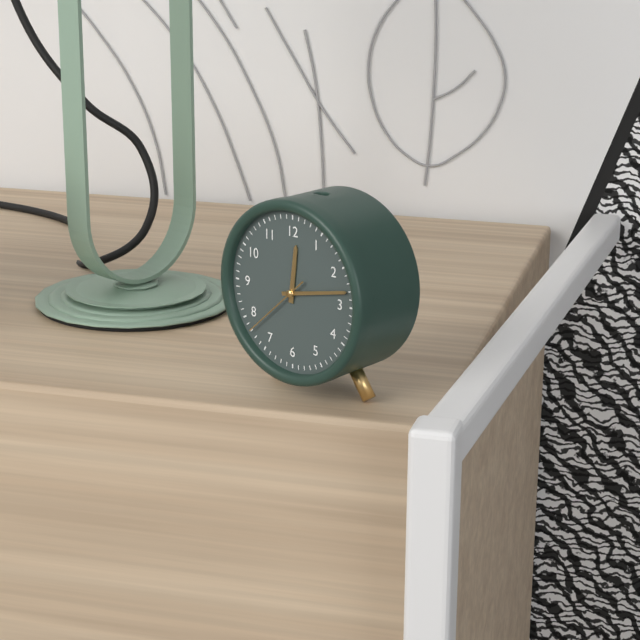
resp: 12,13,38
